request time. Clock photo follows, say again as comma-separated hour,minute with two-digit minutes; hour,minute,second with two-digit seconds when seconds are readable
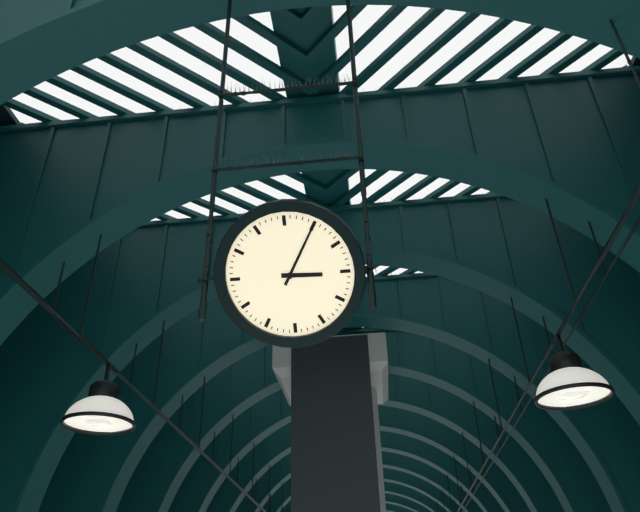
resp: 3,05
